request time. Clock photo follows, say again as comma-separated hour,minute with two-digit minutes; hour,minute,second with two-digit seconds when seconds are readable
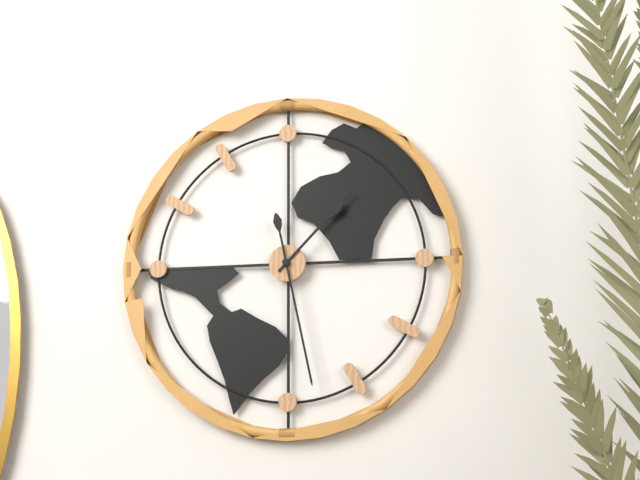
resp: 1,28
